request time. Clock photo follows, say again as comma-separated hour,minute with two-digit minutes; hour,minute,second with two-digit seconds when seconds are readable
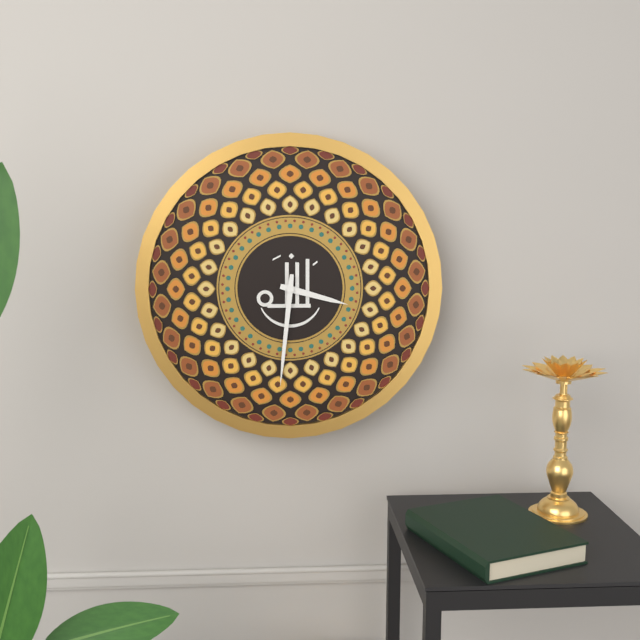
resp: 3,31
